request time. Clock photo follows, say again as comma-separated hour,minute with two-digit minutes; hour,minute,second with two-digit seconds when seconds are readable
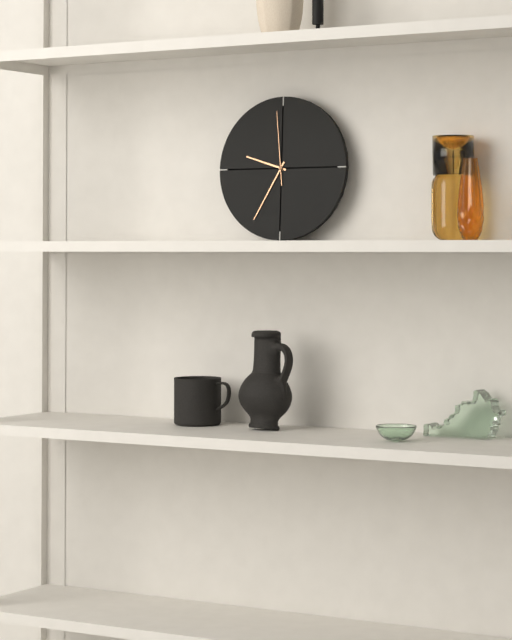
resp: 9,35,59
